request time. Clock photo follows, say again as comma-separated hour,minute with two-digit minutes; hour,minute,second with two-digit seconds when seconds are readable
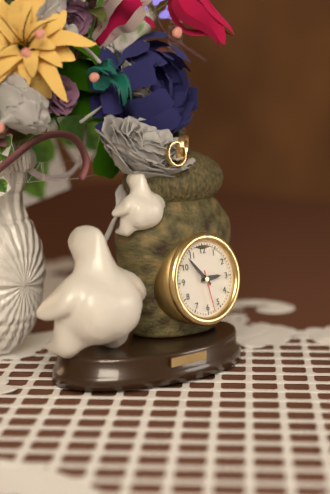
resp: 2,53
